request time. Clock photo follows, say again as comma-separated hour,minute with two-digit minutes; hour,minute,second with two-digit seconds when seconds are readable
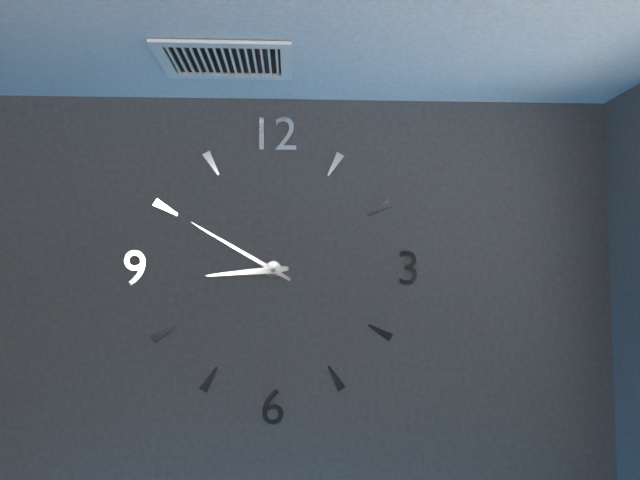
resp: 8,50
